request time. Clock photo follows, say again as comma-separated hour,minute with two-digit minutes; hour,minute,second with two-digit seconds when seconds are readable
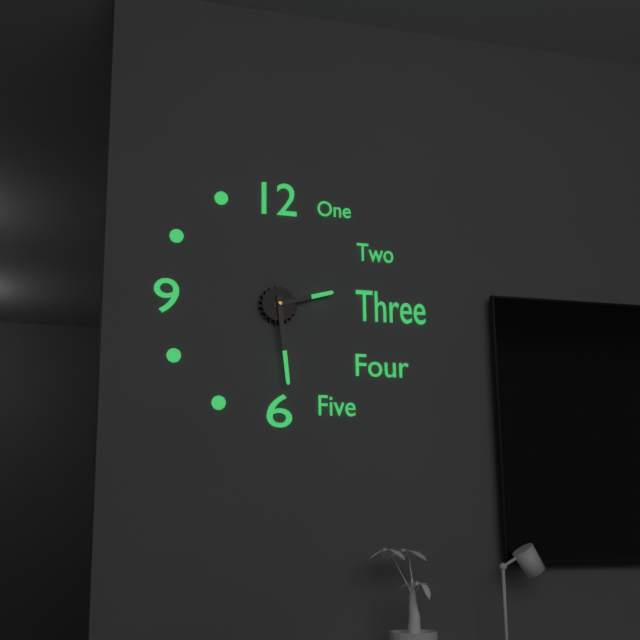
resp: 2,29
